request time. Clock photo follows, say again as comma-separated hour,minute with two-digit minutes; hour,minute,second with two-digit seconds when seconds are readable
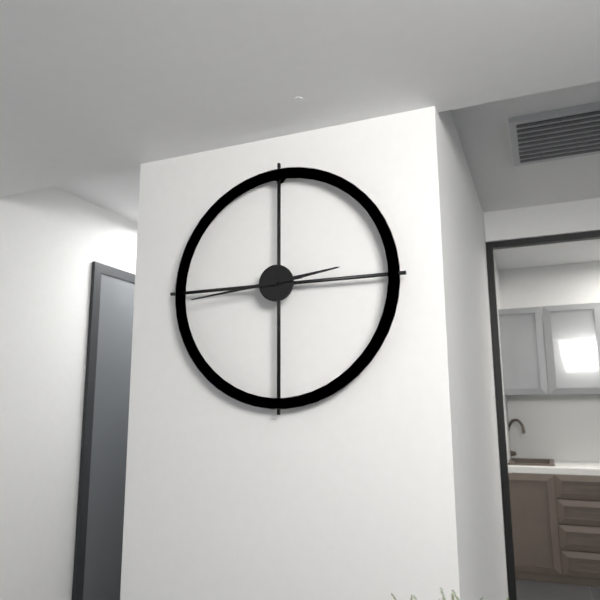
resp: 2,44
